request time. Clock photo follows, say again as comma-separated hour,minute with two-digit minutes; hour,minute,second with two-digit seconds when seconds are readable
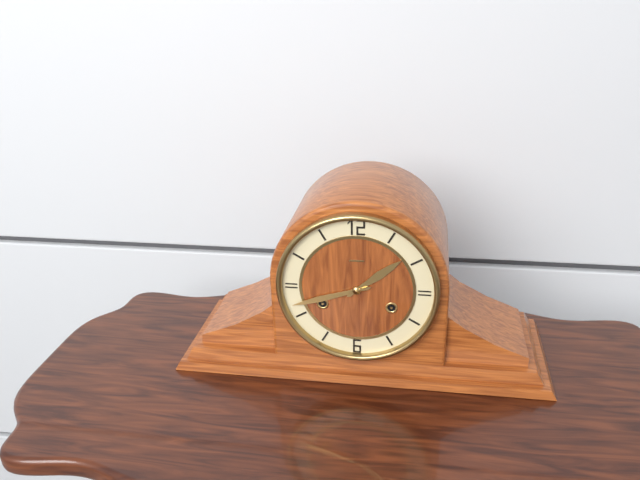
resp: 1,42
